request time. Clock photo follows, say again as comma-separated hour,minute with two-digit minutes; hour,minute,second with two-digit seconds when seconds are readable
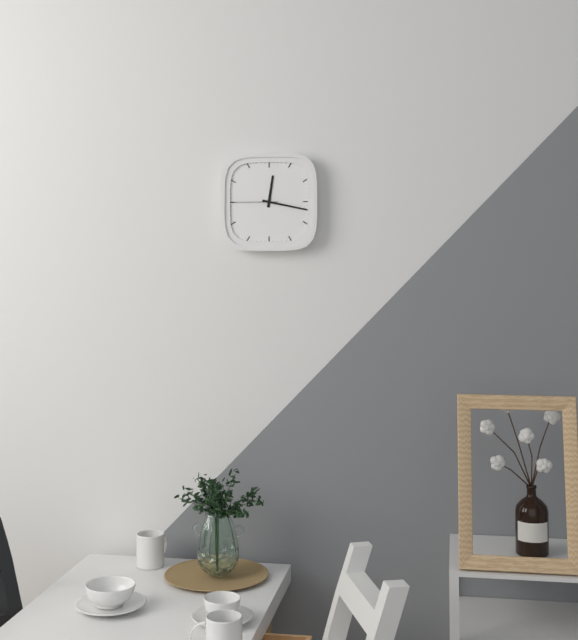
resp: 12,17,45
